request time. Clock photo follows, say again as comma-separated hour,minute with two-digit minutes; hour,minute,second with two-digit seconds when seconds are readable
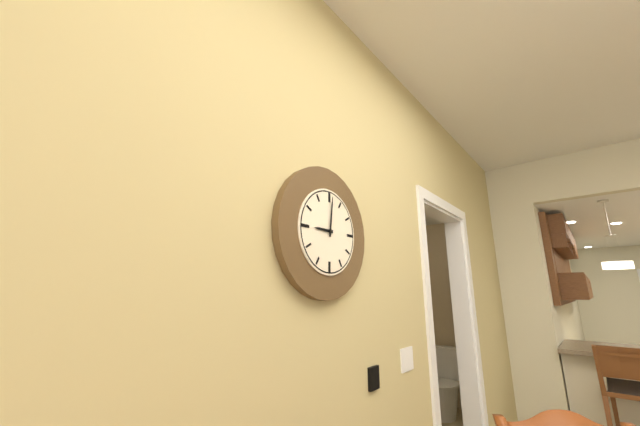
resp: 9,01
